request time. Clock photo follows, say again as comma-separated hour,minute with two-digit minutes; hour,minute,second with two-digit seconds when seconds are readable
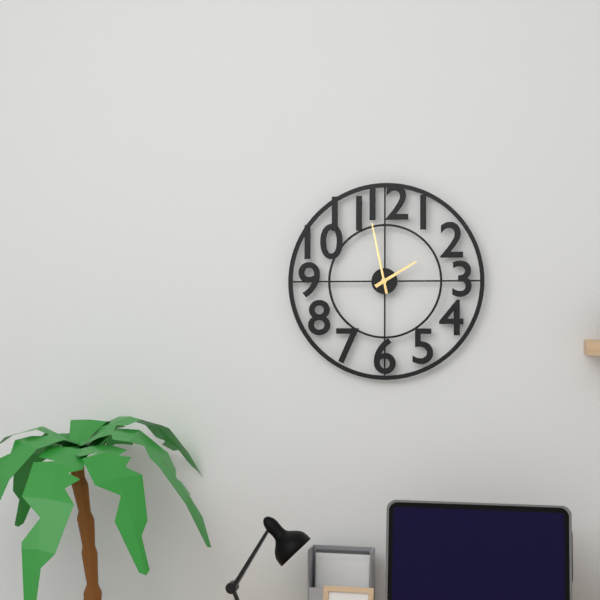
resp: 1,58
